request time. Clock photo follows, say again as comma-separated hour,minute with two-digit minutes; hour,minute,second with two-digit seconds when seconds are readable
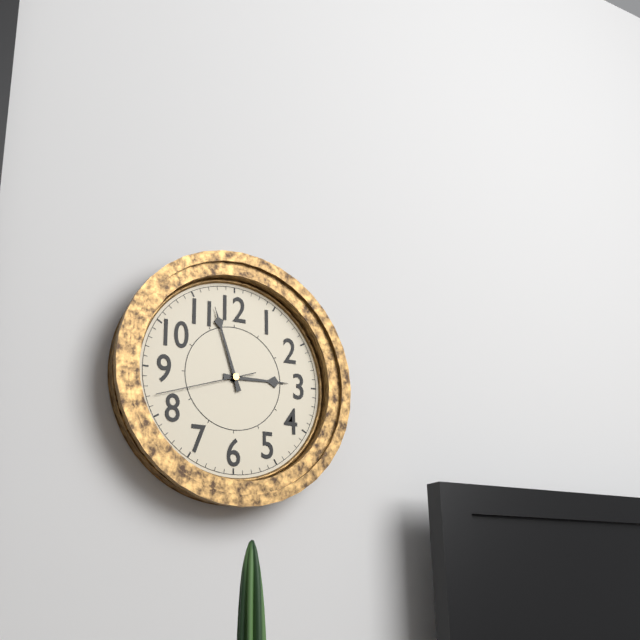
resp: 2,57,42
